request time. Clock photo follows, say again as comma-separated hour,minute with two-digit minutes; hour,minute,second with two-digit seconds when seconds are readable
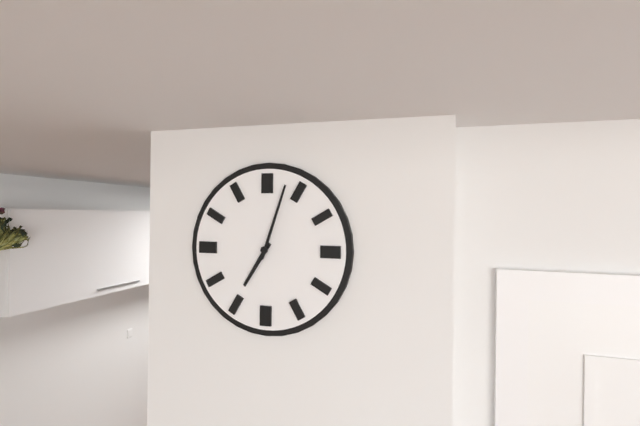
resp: 7,03
